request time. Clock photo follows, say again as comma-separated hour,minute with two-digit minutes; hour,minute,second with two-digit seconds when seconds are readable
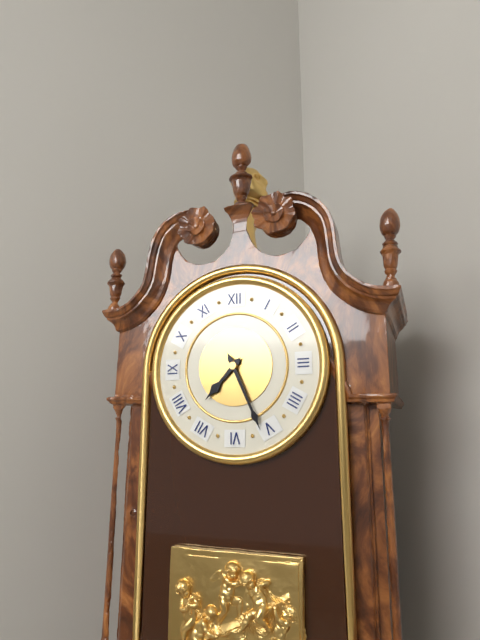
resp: 7,26
